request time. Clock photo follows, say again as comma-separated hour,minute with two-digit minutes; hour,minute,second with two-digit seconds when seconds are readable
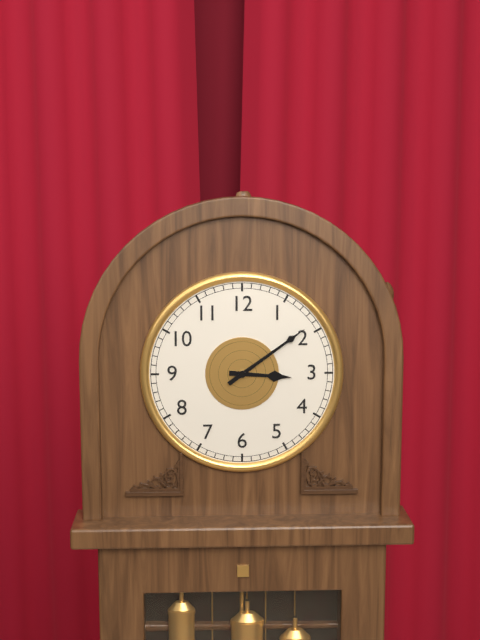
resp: 3,09
